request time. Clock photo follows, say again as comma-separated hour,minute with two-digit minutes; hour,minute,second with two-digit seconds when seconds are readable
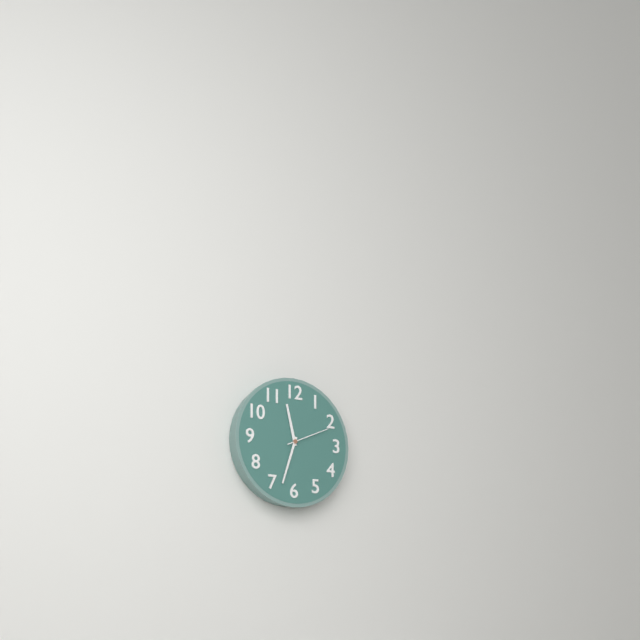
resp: 11,33
